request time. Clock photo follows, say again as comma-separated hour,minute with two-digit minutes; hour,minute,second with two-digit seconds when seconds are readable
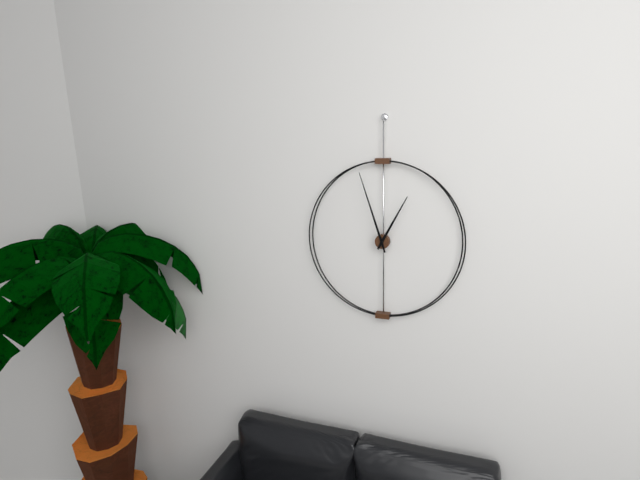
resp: 12,57
